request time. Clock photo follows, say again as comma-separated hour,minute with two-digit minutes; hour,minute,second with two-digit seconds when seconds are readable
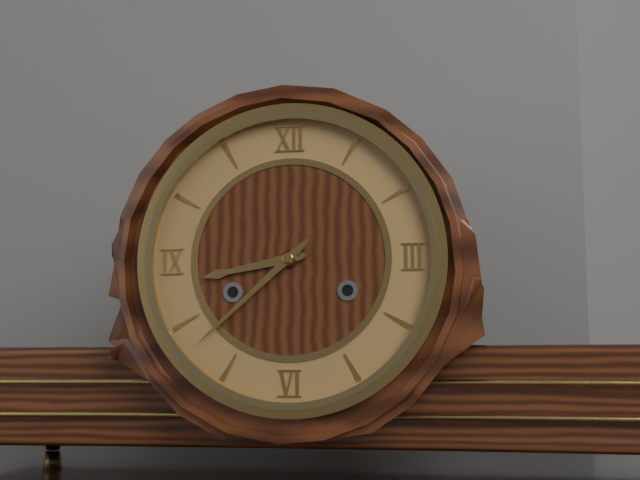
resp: 8,38
